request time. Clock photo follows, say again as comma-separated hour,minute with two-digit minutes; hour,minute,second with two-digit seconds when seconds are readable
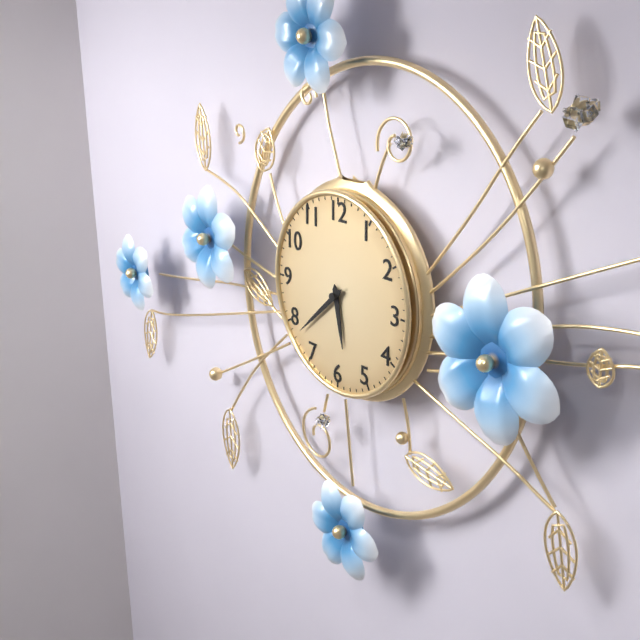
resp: 5,38
